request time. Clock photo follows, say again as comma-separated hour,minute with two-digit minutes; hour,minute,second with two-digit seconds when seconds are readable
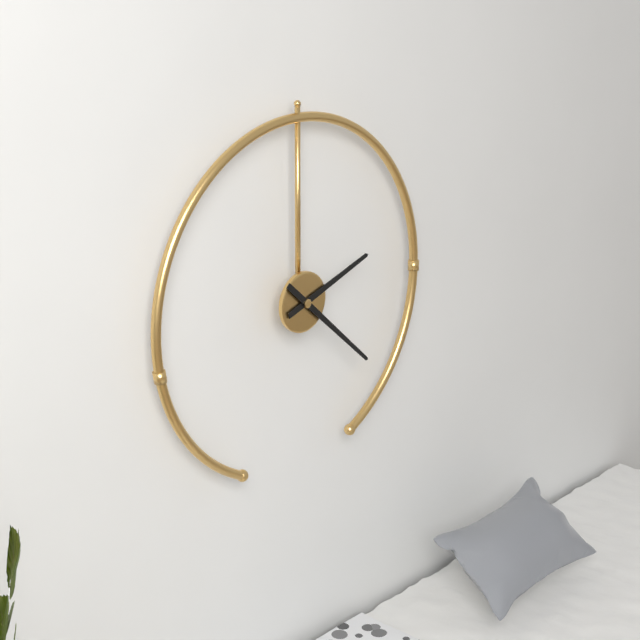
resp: 2,22
